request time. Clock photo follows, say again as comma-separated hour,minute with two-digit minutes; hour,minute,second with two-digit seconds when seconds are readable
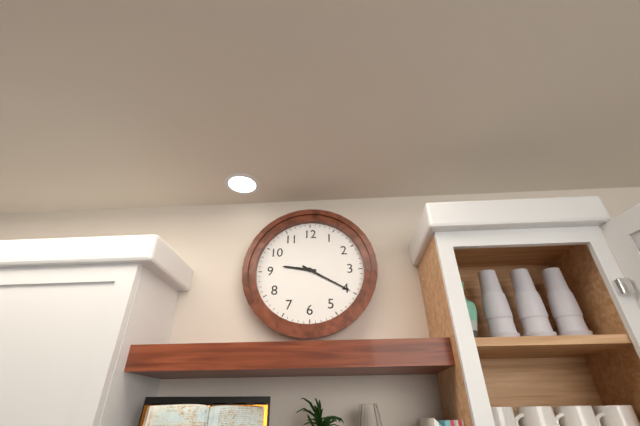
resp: 9,20
